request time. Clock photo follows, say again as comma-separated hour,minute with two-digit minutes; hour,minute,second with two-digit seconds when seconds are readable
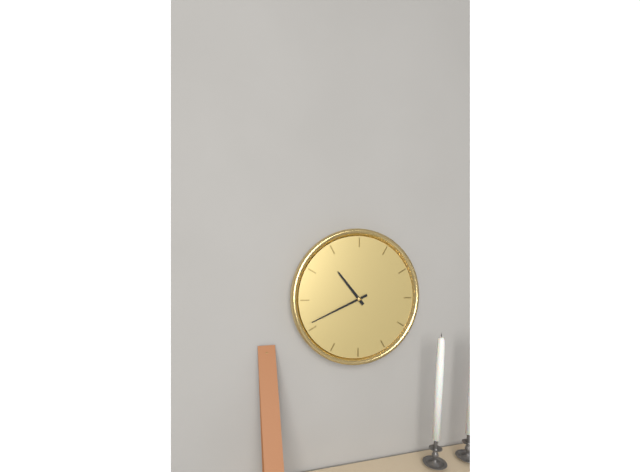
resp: 10,41
